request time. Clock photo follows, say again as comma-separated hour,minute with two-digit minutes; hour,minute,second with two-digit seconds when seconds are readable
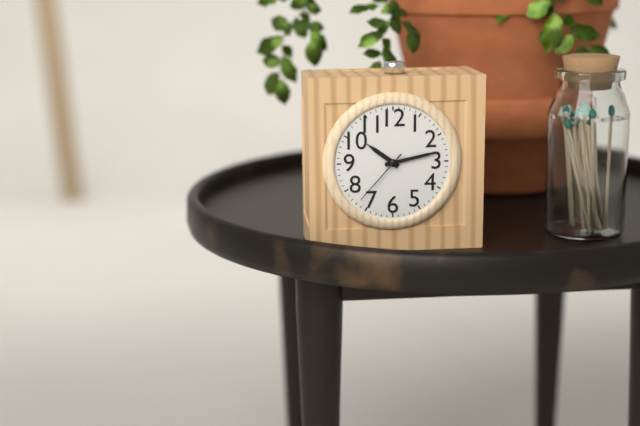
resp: 10,13,37
